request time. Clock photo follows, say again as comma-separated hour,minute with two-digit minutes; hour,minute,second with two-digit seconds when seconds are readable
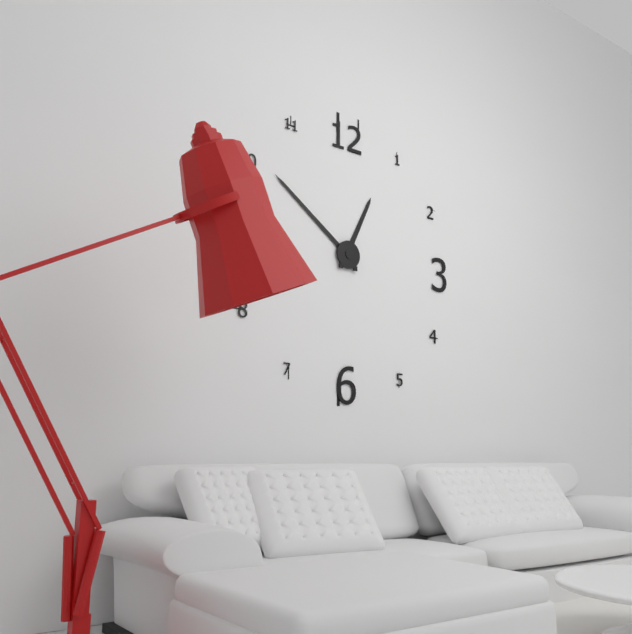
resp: 12,51
